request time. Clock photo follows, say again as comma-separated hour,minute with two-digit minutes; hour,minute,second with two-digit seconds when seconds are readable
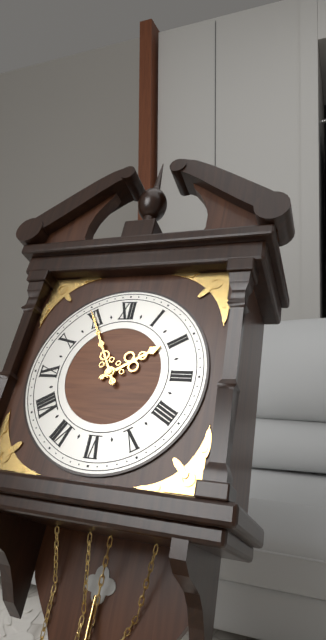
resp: 1,55
